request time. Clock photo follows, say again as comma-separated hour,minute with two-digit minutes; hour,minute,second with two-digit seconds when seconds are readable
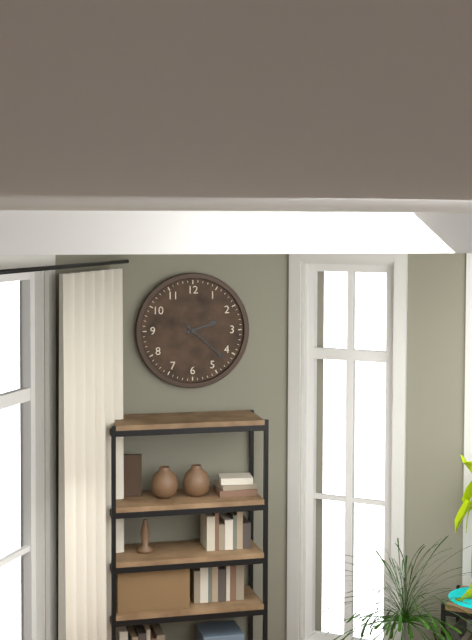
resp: 2,22
